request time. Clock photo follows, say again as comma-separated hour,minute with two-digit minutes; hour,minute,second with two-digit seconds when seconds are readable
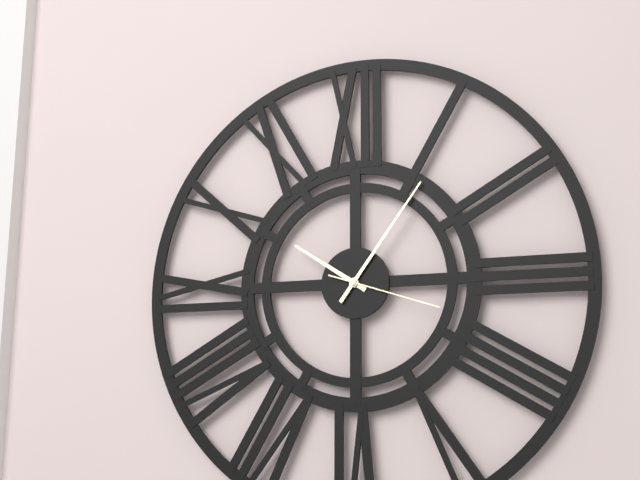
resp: 10,06,18
